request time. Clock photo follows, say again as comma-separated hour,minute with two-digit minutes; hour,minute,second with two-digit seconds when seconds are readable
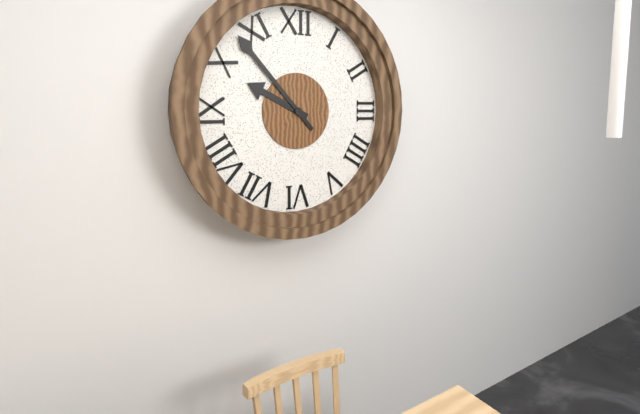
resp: 9,53
